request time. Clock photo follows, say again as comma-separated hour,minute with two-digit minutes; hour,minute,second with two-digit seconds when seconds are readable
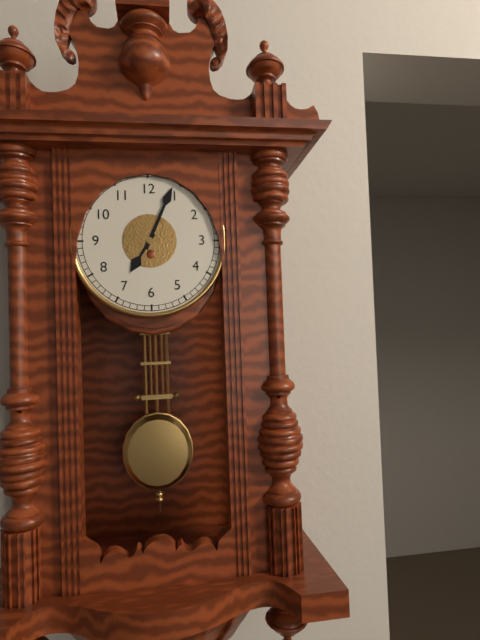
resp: 7,04
